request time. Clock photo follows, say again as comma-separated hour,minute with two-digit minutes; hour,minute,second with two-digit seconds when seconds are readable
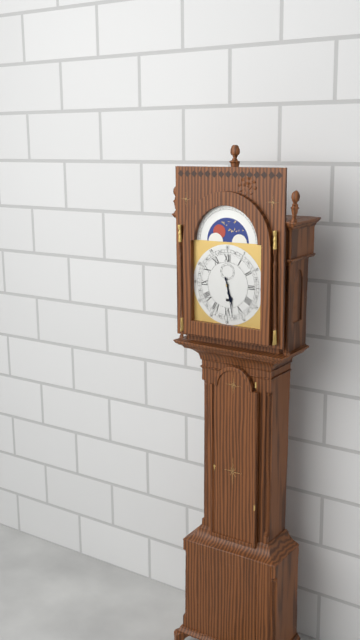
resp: 5,28
